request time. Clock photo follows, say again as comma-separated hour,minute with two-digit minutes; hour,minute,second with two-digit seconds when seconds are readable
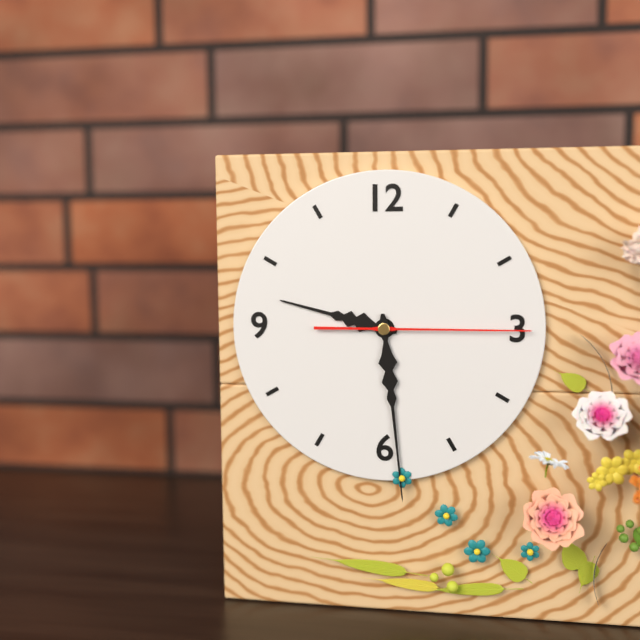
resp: 9,29,15
